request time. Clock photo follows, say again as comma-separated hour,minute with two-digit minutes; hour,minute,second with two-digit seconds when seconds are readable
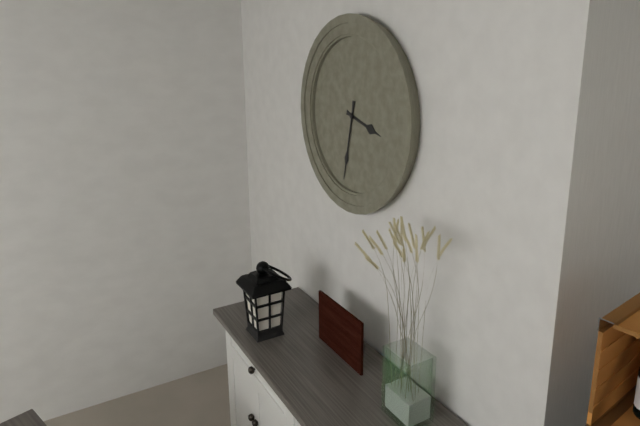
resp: 3,32
